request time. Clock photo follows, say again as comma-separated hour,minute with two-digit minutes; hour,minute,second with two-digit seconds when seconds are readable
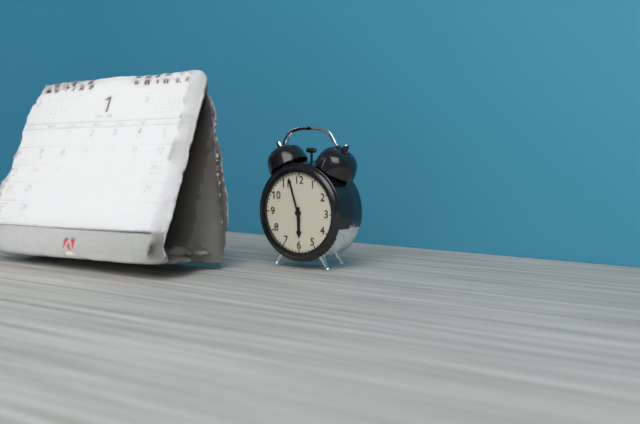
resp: 5,57
